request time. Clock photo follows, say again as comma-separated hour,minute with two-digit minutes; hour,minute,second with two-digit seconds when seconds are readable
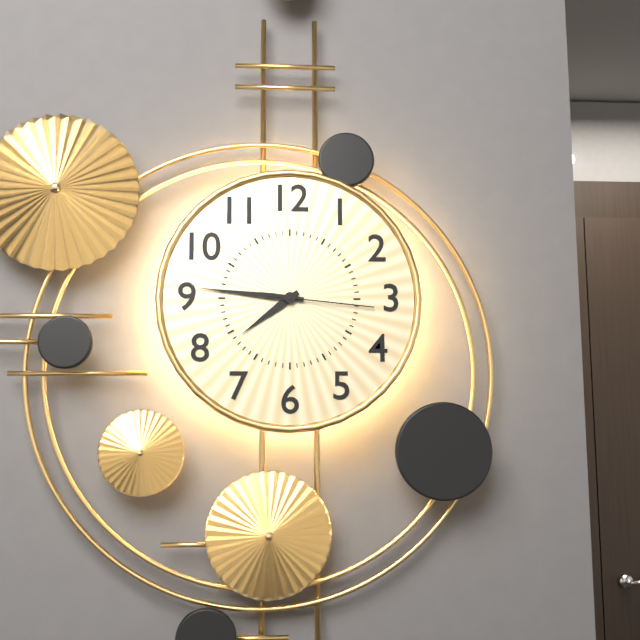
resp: 7,46,16
